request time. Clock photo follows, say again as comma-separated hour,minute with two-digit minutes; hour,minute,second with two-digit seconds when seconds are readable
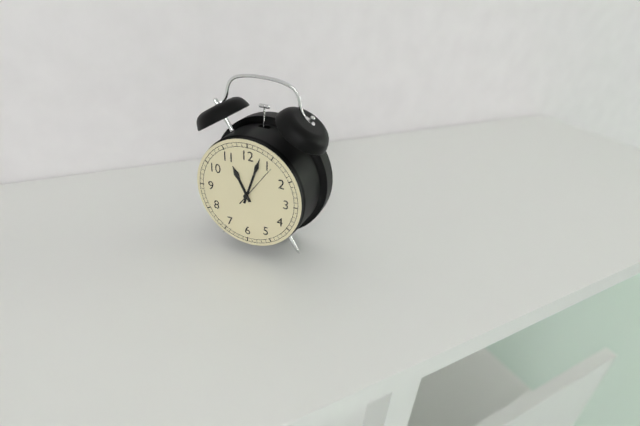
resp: 11,03
